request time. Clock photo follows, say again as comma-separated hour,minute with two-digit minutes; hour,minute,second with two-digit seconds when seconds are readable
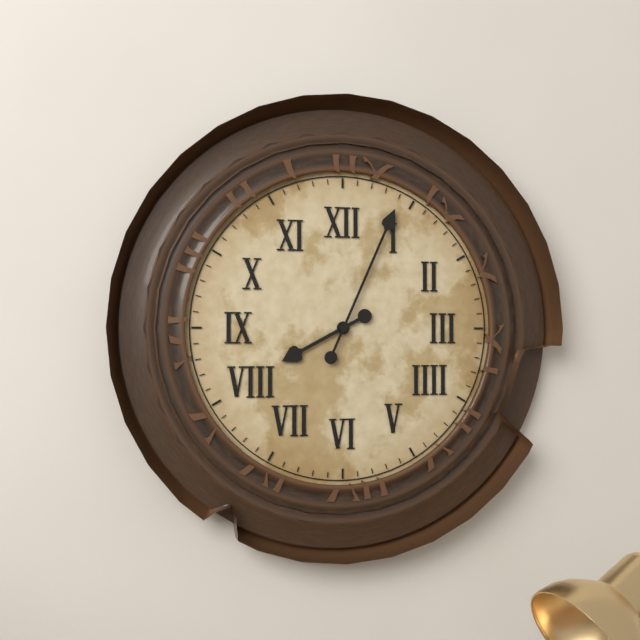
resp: 8,04
